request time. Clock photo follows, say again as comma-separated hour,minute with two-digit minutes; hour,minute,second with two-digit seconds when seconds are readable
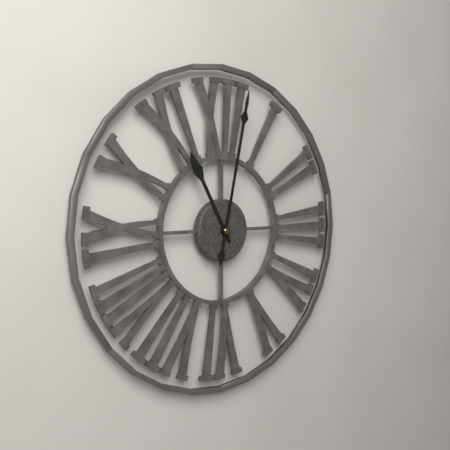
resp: 11,02
